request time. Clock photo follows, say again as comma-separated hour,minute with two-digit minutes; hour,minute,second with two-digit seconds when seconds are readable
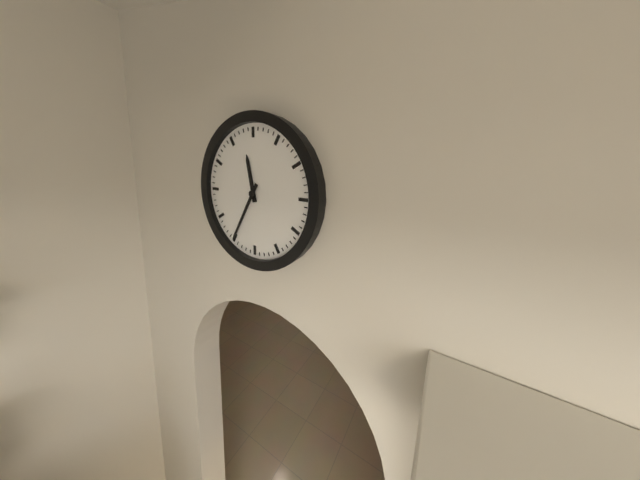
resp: 11,35
